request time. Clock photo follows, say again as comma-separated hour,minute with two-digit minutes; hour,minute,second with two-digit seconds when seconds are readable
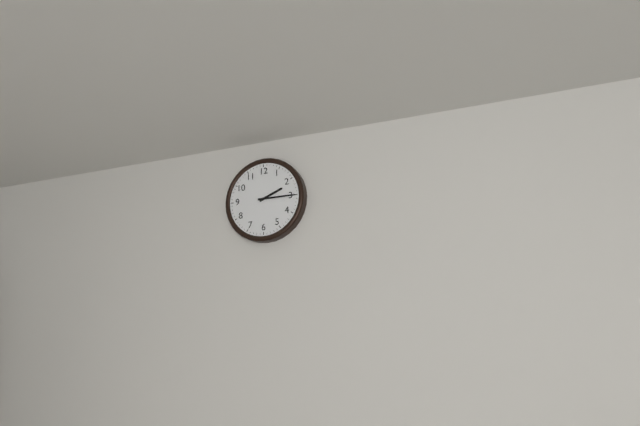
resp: 2,15
